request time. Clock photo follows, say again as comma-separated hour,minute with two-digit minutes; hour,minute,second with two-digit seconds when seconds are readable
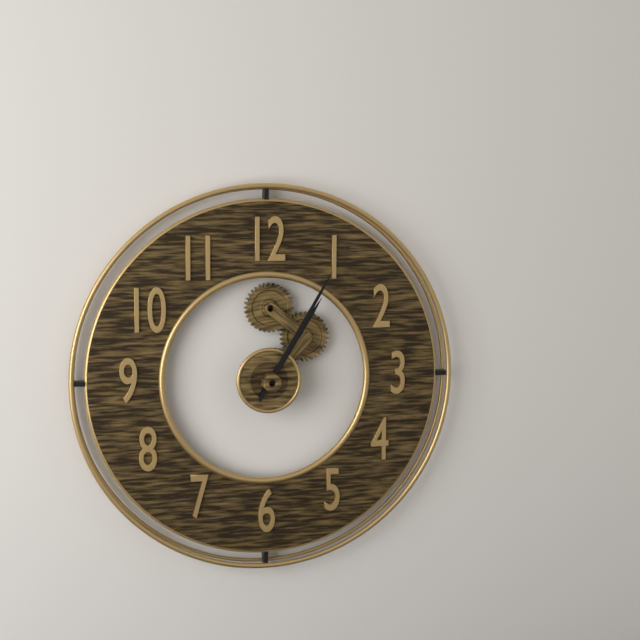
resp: 1,05
